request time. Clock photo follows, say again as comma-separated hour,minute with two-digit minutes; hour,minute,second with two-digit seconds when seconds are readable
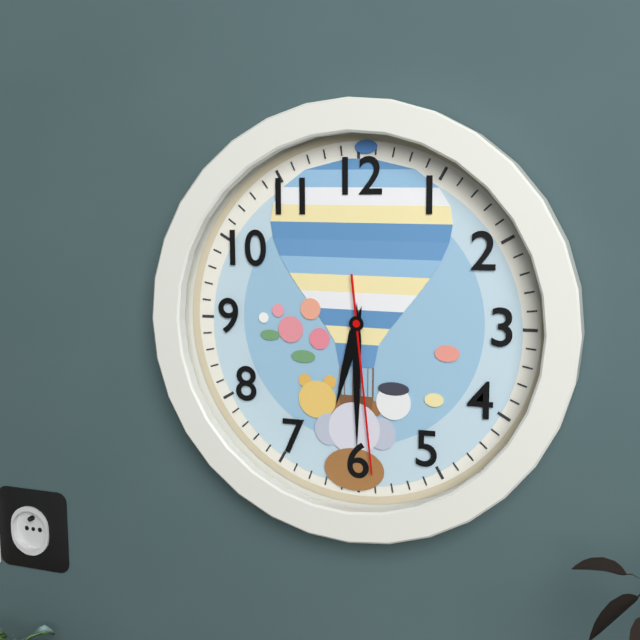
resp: 6,30,29
